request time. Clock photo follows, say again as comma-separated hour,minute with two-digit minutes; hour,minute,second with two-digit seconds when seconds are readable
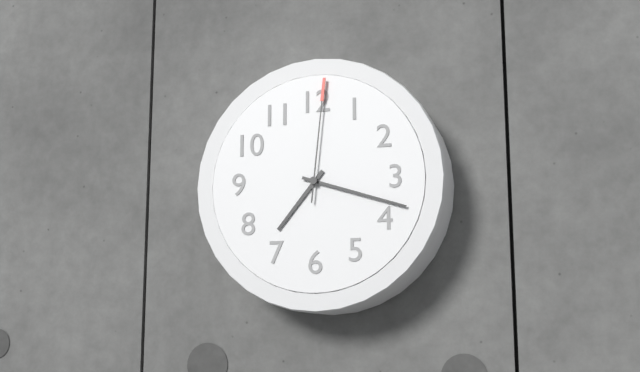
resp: 7,18,01
